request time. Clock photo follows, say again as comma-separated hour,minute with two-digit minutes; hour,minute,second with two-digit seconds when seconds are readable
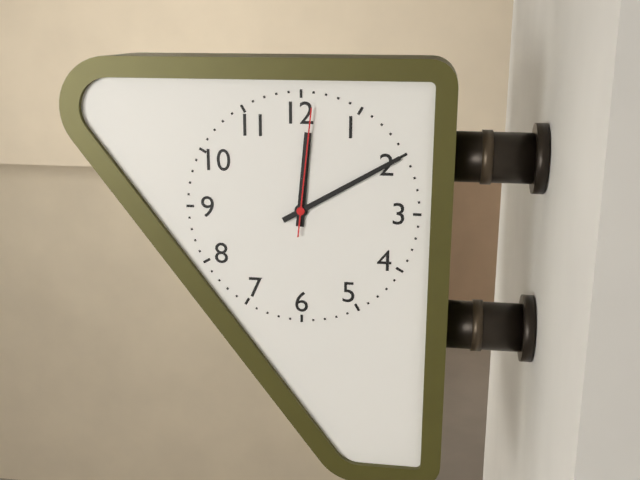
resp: 12,10,01
